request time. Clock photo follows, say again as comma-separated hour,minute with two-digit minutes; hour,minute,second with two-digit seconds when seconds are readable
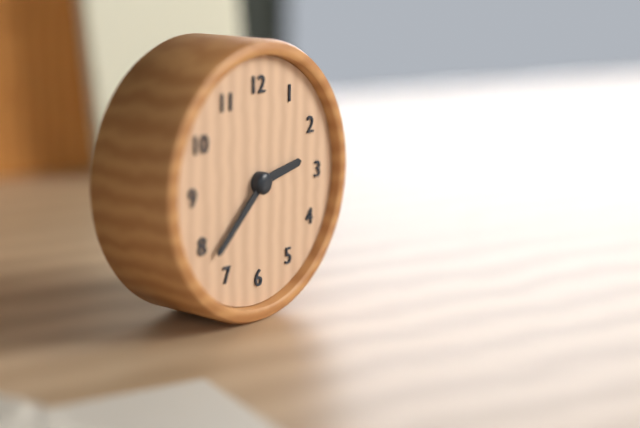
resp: 2,38
